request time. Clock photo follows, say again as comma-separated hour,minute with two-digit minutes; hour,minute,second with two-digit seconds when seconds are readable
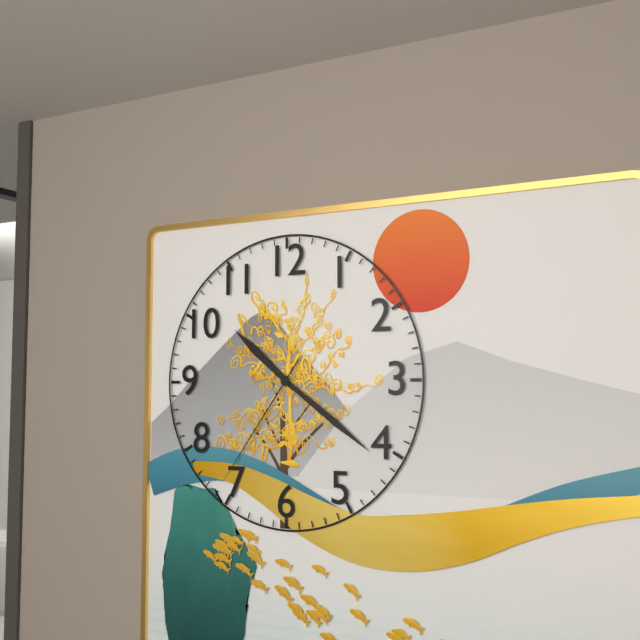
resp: 10,21,36
